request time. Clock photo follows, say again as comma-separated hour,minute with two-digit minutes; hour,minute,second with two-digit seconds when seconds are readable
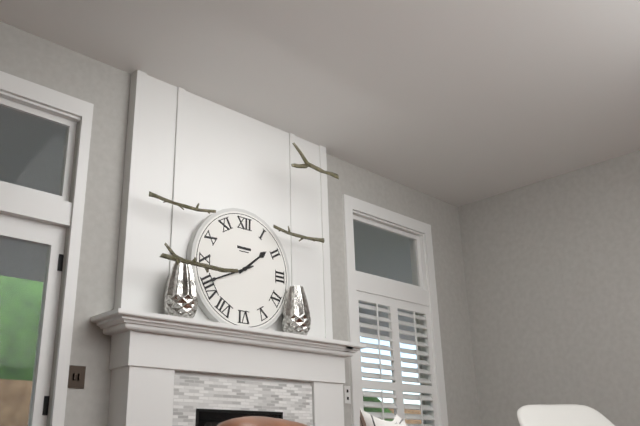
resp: 1,41
